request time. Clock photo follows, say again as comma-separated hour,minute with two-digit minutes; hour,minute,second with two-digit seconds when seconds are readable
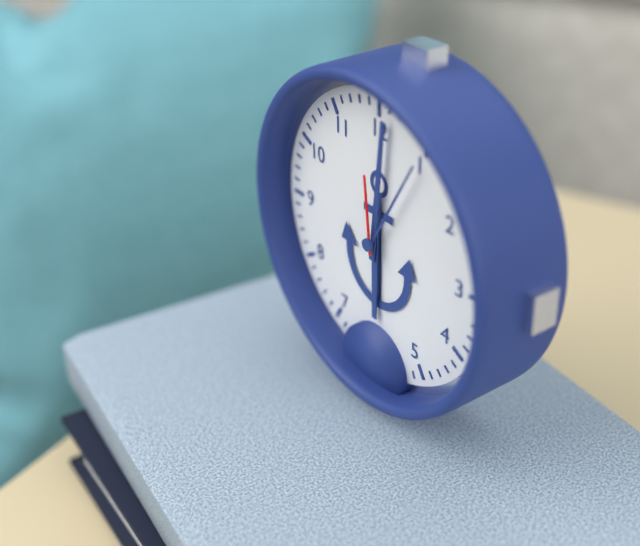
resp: 6,01,59
